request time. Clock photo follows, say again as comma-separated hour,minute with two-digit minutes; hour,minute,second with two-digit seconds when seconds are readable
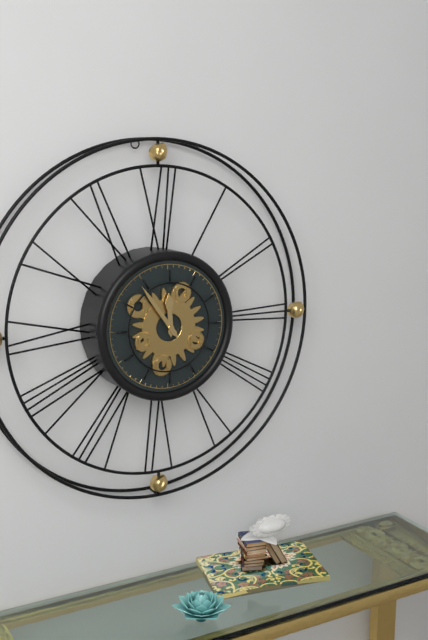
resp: 11,54
